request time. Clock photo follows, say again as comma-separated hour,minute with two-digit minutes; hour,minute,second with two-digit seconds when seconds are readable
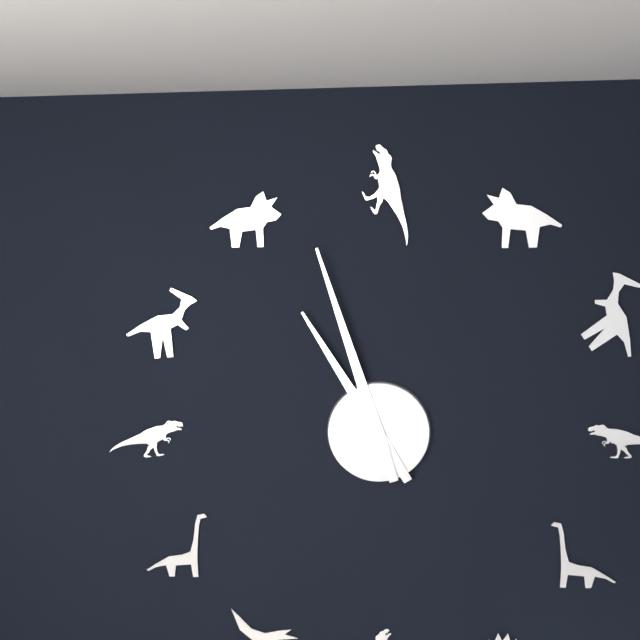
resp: 10,57
